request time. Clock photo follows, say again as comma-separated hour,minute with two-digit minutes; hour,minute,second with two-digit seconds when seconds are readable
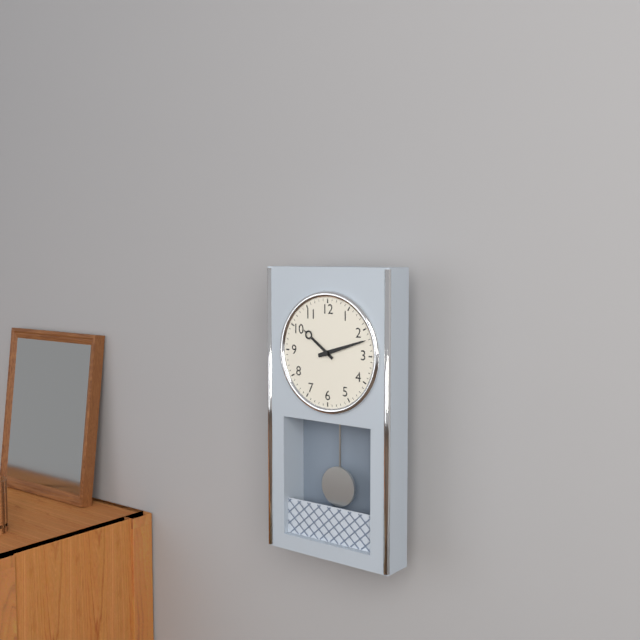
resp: 10,12
